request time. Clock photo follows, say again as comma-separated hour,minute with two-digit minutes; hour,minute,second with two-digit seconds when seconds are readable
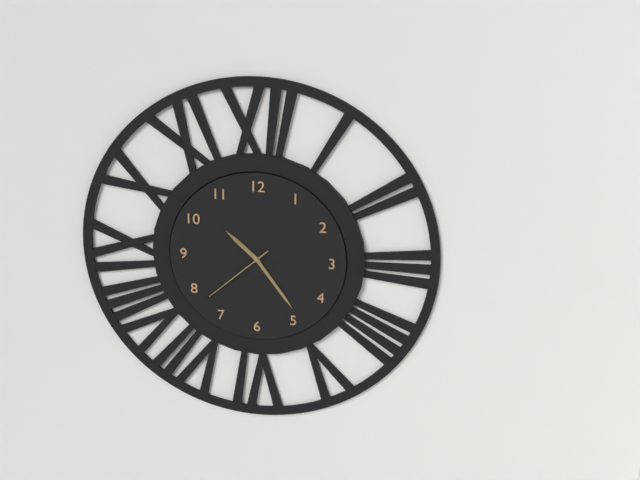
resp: 10,24,38
